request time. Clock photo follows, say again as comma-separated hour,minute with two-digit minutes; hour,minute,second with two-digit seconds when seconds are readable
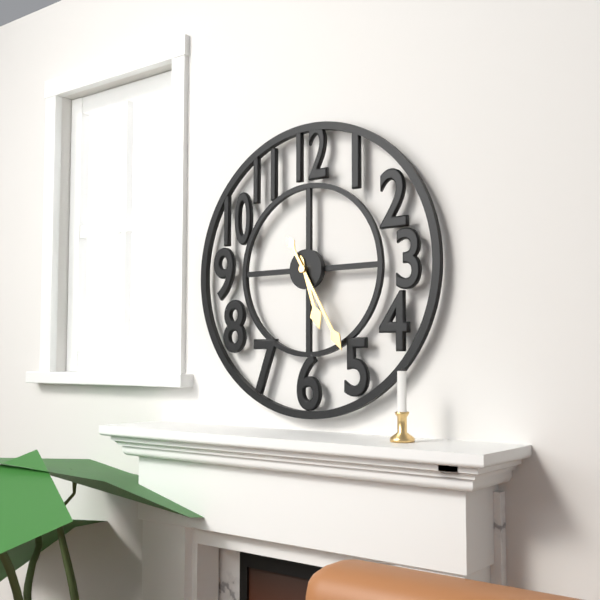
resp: 5,25
